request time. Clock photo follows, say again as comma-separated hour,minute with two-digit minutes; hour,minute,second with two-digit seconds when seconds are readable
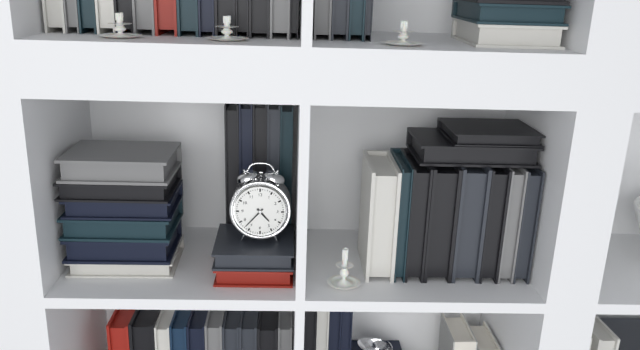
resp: 4,37
